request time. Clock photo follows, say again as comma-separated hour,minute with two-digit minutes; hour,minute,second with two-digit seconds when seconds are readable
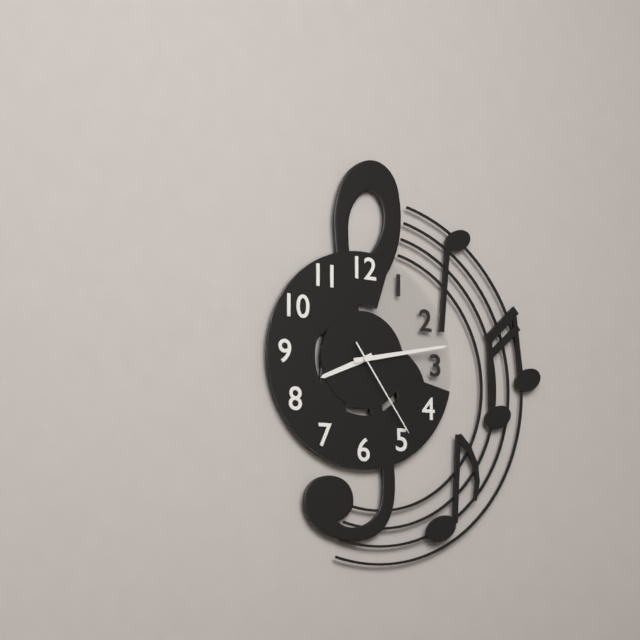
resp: 8,13,24
